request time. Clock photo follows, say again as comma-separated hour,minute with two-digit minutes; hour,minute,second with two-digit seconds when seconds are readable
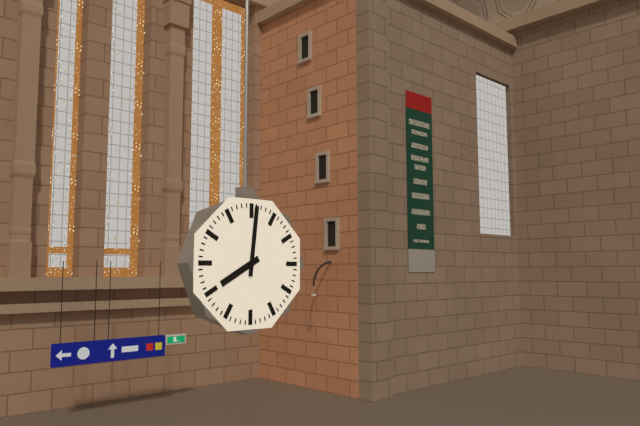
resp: 8,01
